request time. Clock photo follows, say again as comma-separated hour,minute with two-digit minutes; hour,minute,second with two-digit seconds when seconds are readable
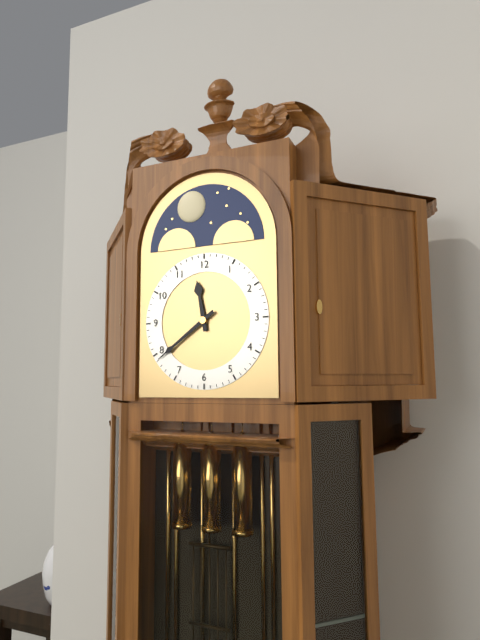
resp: 11,39
